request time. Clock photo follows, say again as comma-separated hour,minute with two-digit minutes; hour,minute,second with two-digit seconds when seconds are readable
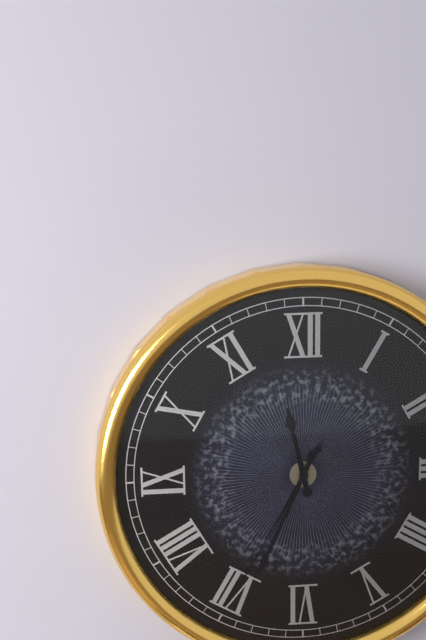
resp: 11,34,35
